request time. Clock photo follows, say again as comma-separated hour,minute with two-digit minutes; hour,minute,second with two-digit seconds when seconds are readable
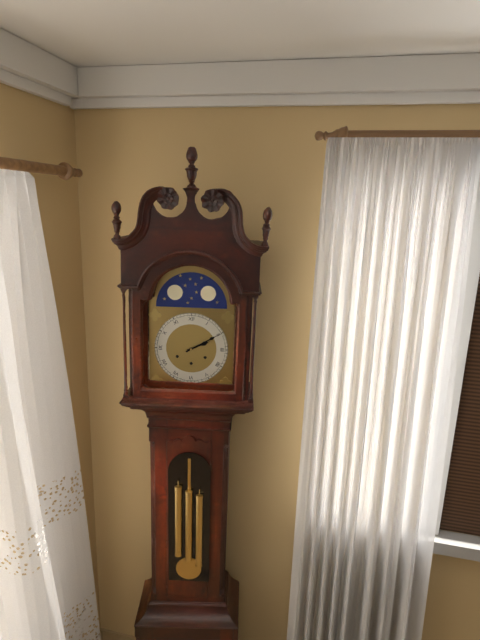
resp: 2,10
